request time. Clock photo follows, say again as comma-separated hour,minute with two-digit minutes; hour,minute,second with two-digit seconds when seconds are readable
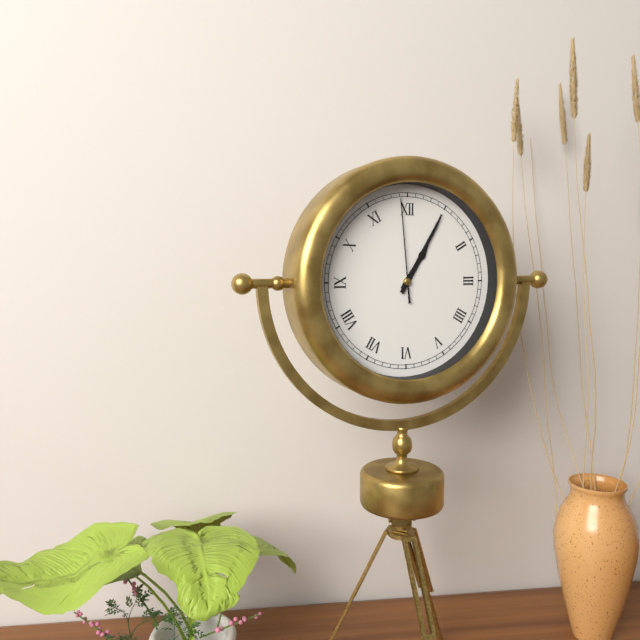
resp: 1,05,59
